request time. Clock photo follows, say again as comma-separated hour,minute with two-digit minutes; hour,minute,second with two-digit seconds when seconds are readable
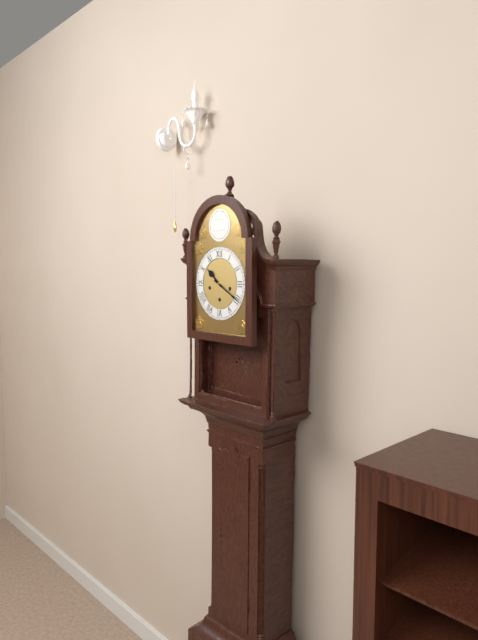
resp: 10,20
